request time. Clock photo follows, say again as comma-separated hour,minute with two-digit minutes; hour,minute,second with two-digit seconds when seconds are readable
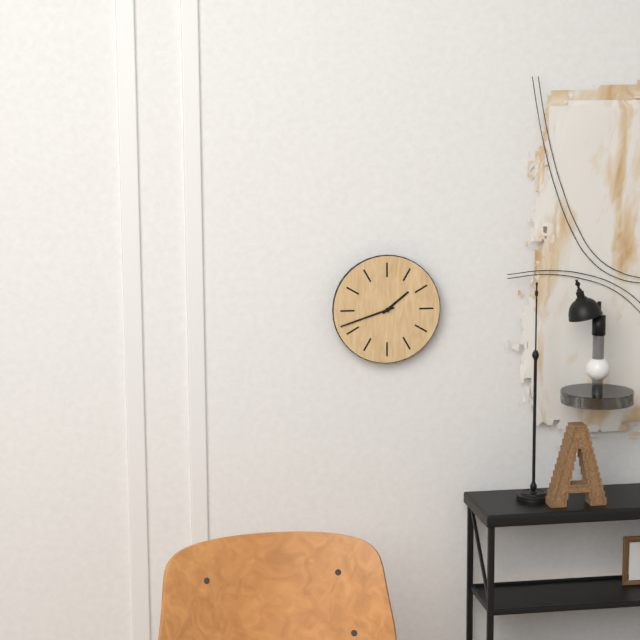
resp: 1,42
